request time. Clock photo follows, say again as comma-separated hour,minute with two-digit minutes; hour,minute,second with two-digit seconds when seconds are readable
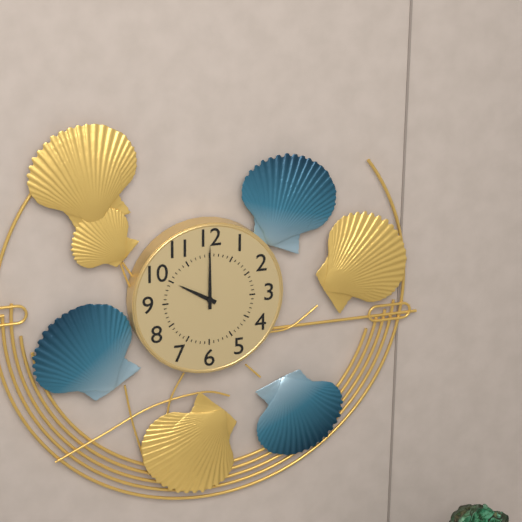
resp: 10,00
